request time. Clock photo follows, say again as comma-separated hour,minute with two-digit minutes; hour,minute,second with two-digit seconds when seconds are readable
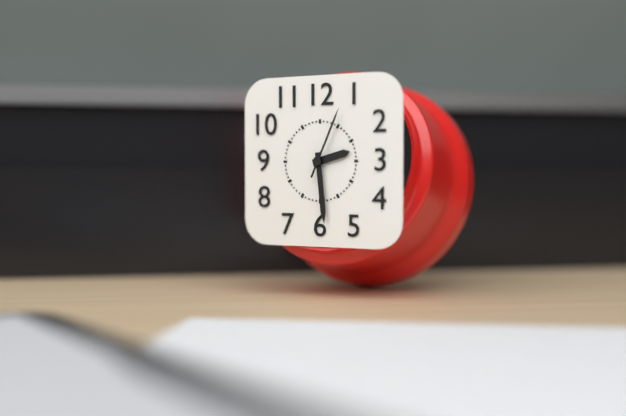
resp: 2,29,04
